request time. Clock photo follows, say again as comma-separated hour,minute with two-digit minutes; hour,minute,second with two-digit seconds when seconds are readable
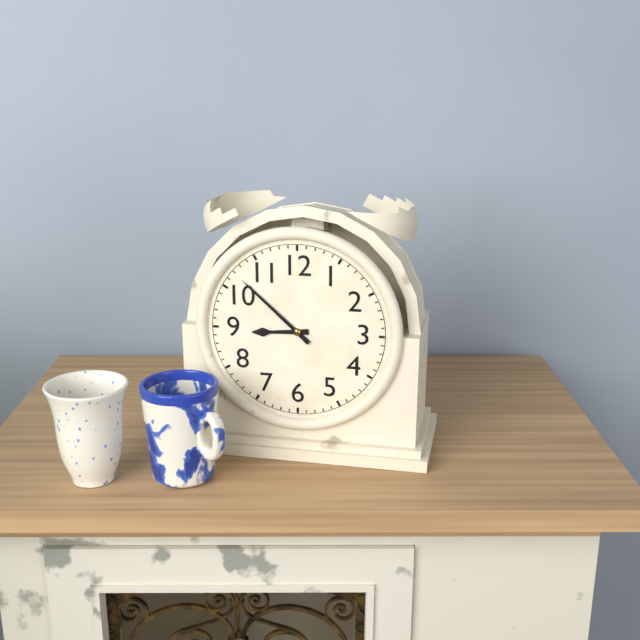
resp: 8,52
